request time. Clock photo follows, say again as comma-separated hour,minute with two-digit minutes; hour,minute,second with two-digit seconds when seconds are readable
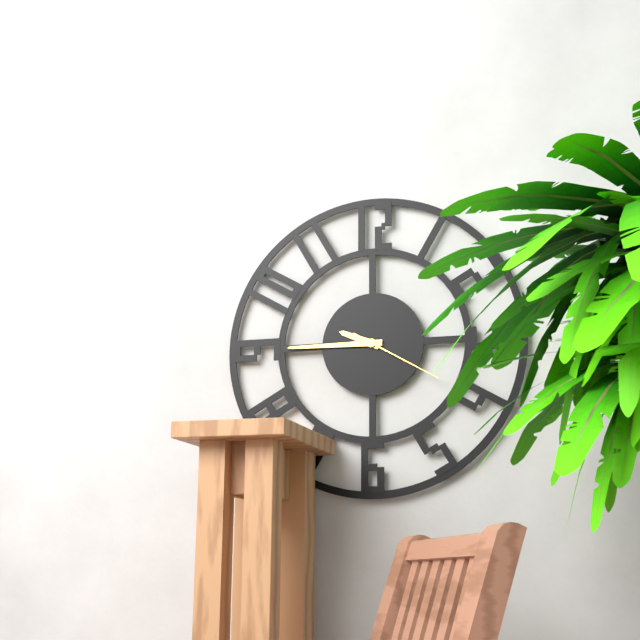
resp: 9,45,20
